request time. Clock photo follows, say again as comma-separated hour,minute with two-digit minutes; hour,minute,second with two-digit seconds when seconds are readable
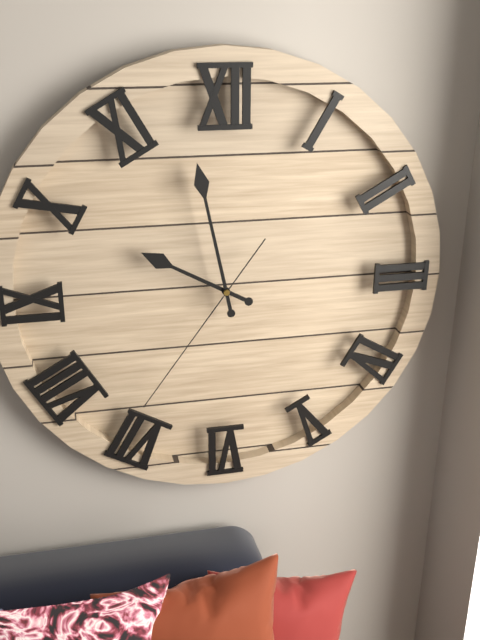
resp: 9,58,36
